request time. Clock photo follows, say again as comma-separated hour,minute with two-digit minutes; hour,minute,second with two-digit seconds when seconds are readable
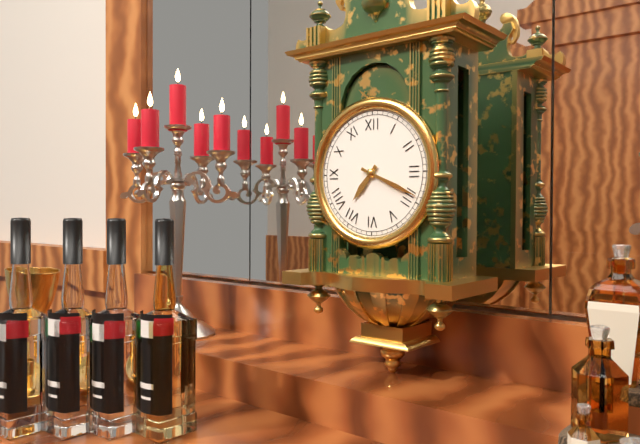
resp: 7,19
